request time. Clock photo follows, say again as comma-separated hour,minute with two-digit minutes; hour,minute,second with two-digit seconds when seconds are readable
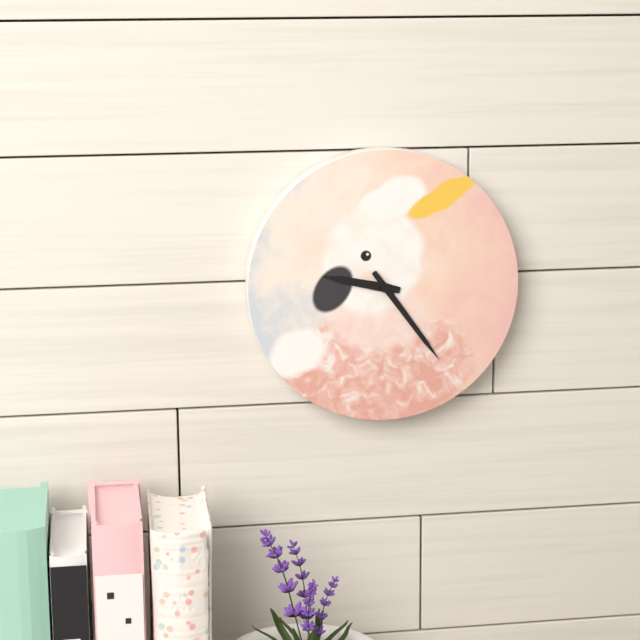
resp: 9,24
